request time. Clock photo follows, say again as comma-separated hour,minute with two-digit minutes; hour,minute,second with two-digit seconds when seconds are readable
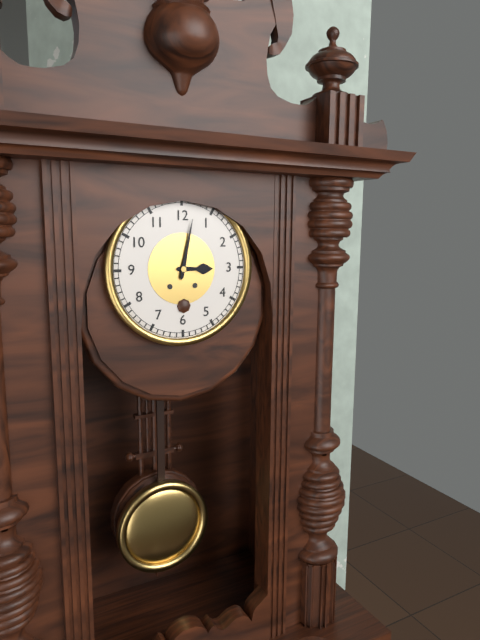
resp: 3,02
